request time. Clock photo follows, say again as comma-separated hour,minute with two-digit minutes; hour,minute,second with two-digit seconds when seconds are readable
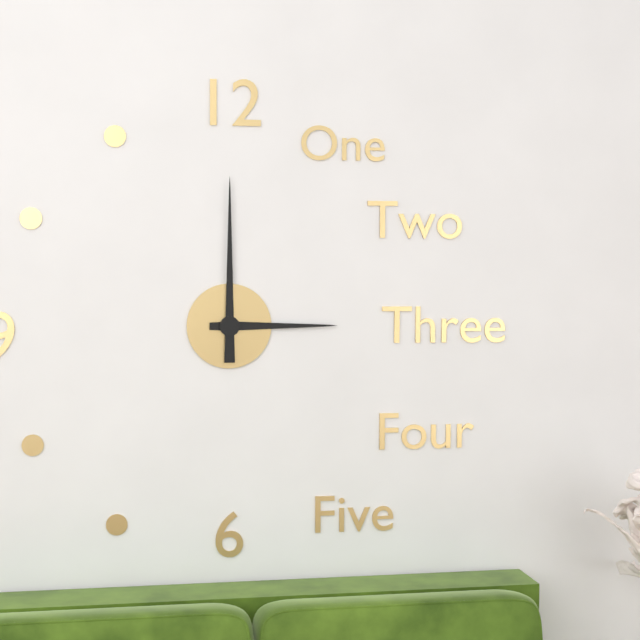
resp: 3,00
